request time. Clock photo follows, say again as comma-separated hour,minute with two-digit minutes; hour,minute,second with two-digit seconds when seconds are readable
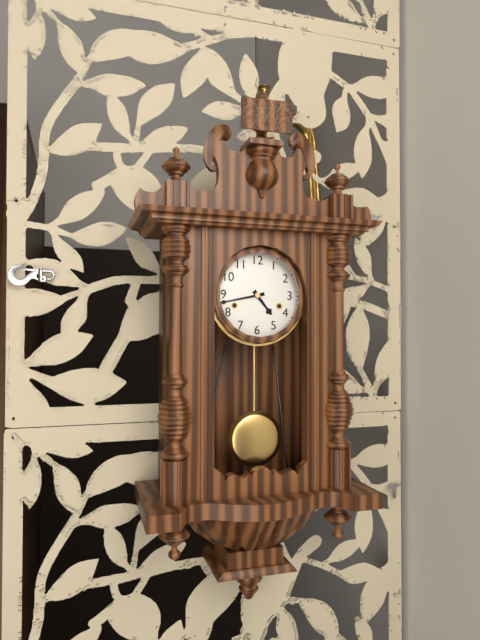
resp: 4,43
